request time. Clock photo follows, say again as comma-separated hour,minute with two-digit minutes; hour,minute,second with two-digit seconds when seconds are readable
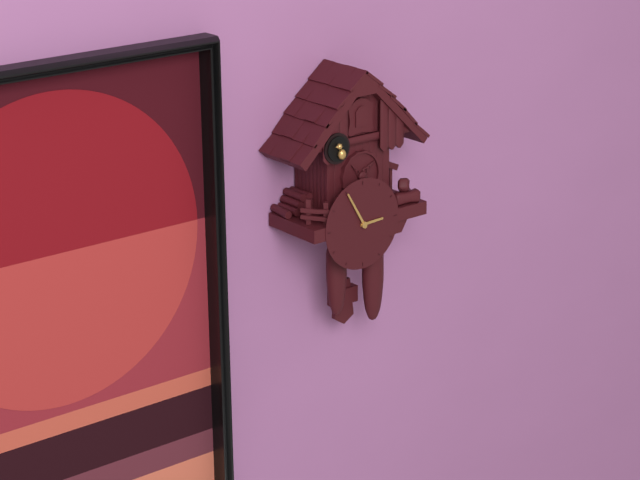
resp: 2,55
